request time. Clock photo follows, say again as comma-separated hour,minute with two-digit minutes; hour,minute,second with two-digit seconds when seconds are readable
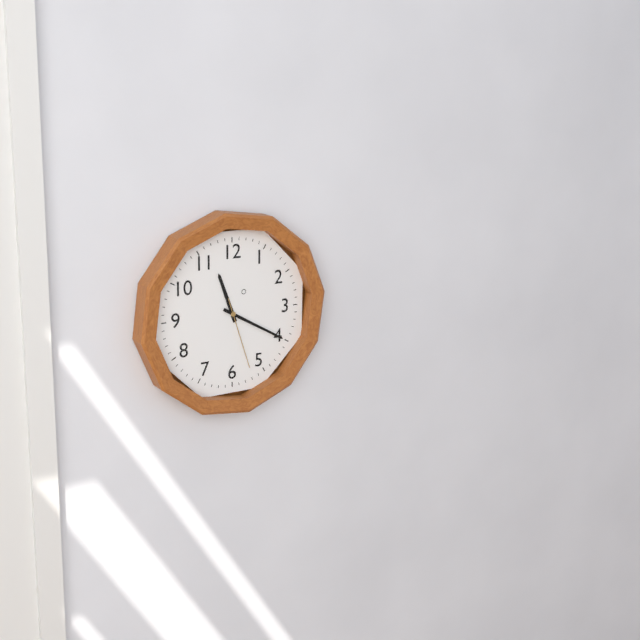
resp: 11,20,27
